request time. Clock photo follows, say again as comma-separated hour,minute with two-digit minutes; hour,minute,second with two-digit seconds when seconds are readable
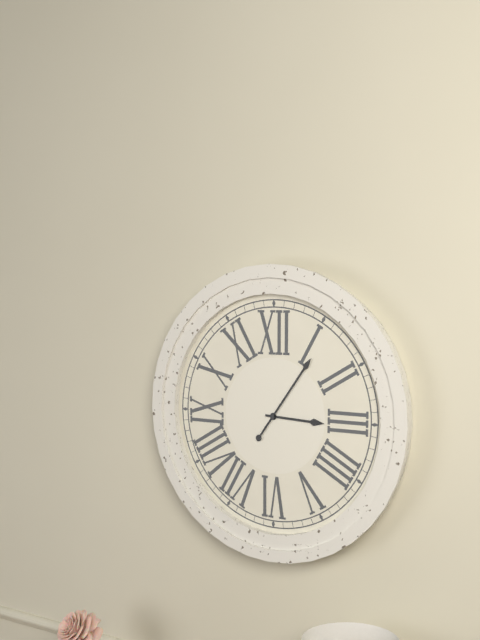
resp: 3,06
